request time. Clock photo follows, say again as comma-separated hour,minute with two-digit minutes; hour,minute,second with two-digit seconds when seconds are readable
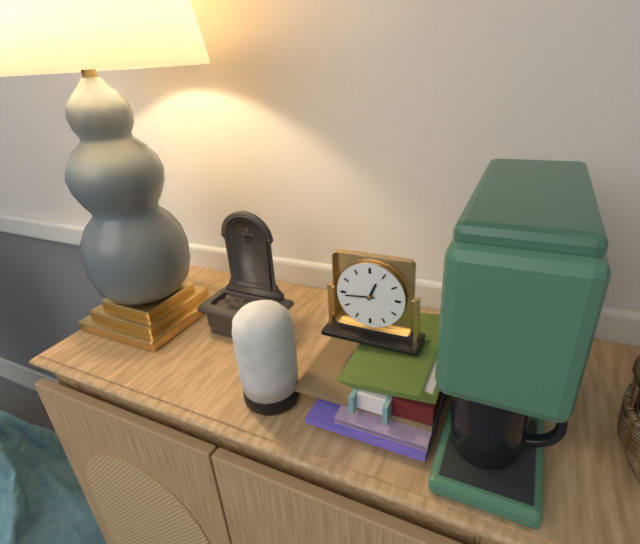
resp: 12,44
